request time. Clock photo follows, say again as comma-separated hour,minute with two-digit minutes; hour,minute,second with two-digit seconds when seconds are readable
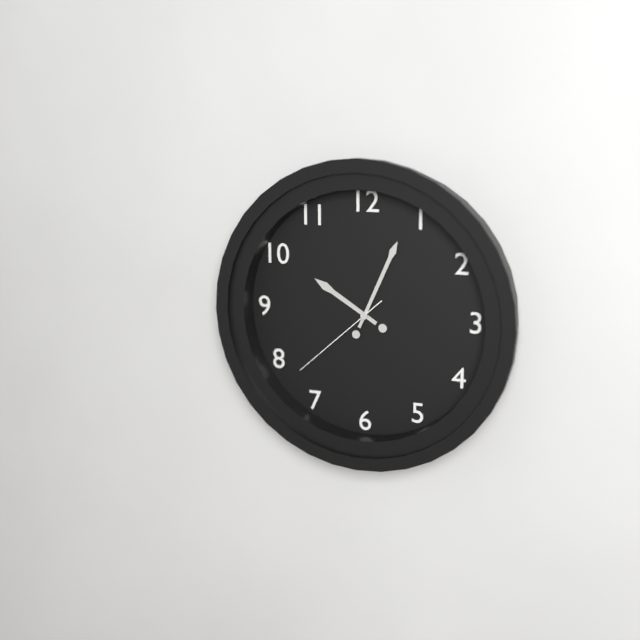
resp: 10,04,38
